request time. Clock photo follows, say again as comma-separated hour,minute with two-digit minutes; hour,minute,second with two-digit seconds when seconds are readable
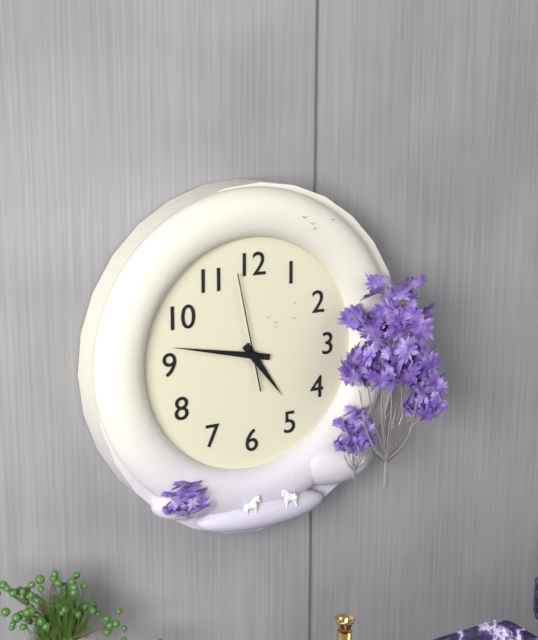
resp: 4,47,58
